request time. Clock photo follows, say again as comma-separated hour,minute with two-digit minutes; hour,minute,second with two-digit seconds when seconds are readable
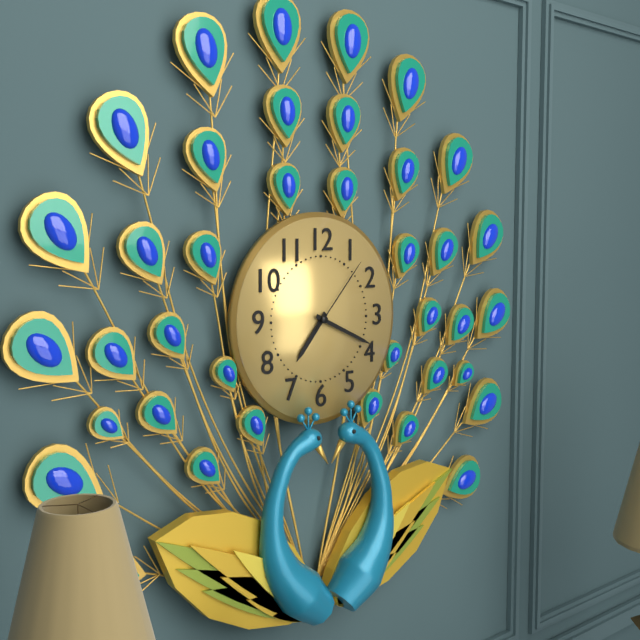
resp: 7,19,07
